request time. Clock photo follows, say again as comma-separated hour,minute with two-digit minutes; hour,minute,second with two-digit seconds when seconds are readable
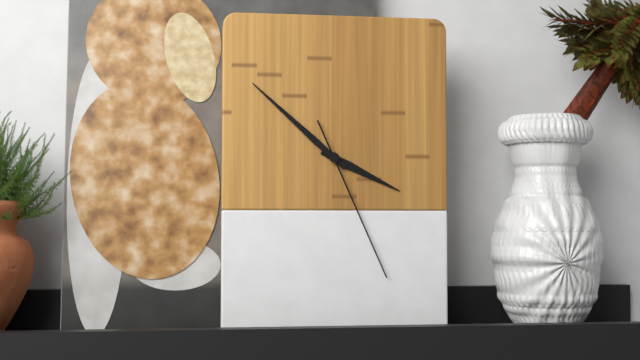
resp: 3,52,26
